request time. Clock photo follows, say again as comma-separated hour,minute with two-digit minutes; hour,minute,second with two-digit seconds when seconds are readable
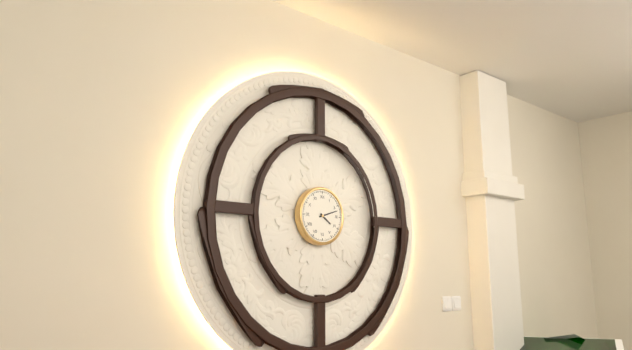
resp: 4,12
